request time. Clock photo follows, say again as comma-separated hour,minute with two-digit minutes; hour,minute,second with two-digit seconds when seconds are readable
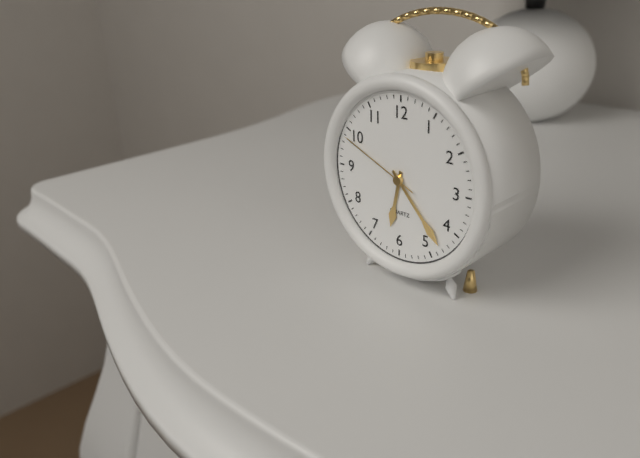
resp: 6,23,49
